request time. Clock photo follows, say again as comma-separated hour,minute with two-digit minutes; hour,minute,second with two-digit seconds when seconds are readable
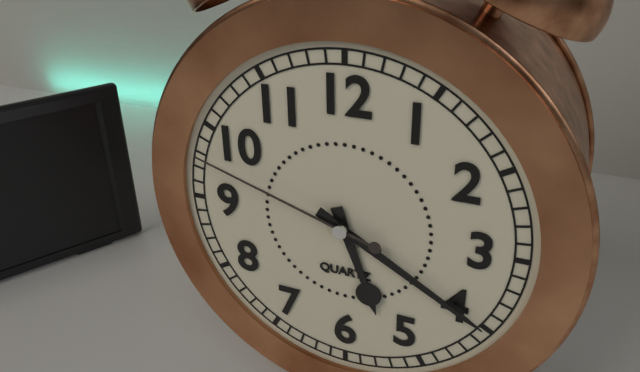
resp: 5,20,48
